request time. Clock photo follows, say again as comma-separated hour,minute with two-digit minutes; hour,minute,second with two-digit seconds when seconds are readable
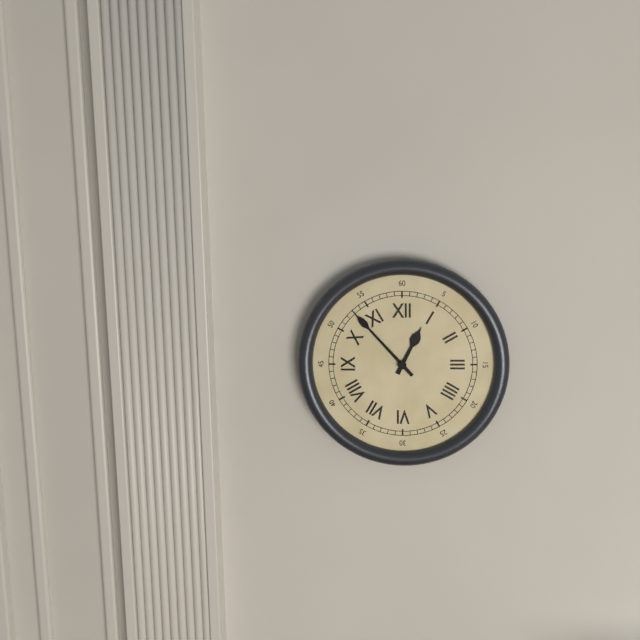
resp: 12,53
